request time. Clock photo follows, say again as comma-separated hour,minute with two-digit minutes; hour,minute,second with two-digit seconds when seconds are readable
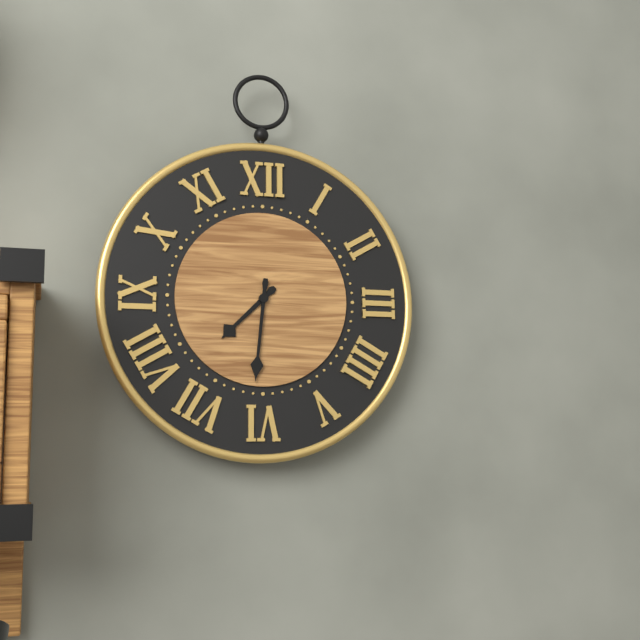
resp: 7,31
